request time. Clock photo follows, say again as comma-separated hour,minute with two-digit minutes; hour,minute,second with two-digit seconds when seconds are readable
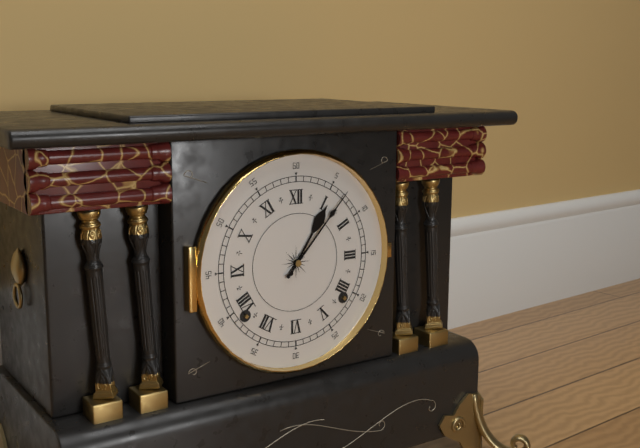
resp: 1,07
